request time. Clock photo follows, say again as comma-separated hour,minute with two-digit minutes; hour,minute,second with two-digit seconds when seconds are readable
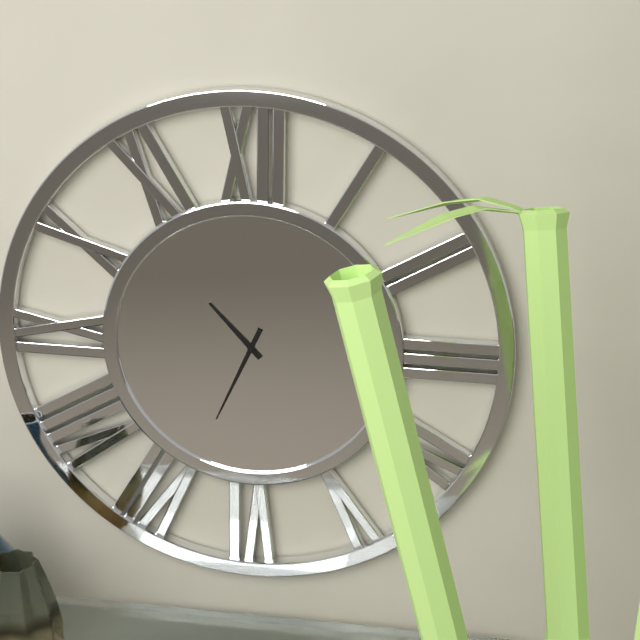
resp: 10,34
